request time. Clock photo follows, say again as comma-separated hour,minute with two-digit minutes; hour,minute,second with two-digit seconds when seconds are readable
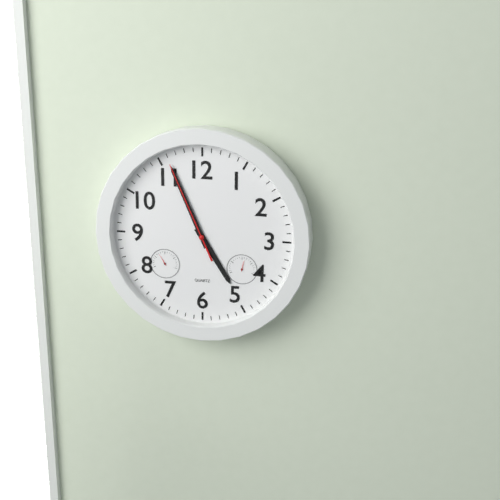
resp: 4,56,56
